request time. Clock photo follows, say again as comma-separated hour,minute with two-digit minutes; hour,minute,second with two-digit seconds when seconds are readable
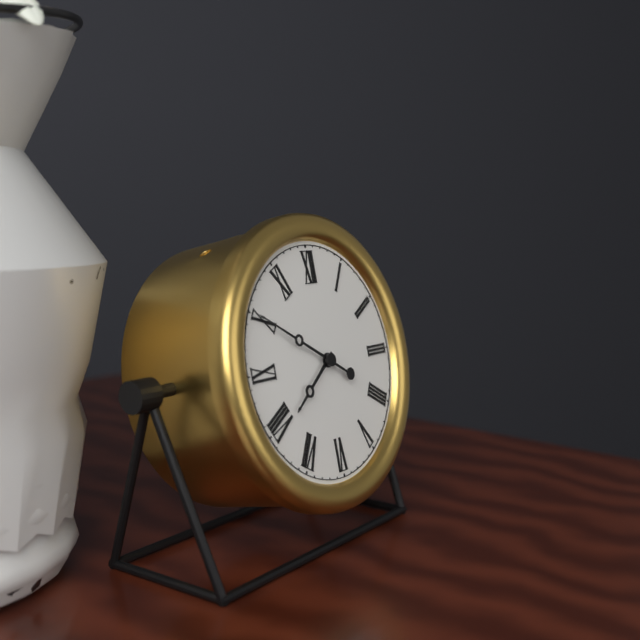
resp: 7,50
